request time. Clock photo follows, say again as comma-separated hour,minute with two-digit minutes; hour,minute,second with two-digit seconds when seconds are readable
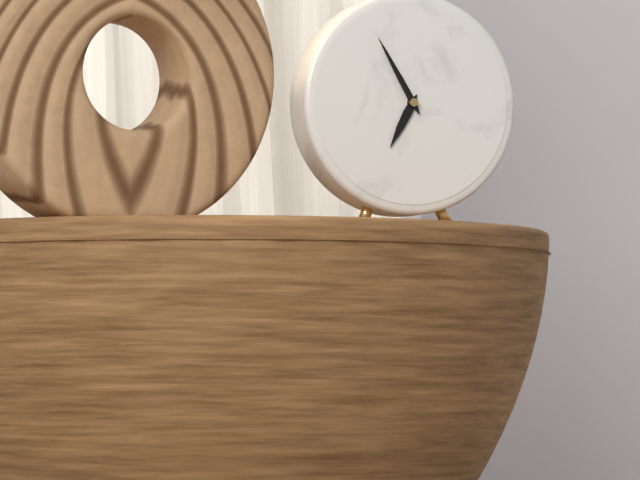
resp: 6,55
